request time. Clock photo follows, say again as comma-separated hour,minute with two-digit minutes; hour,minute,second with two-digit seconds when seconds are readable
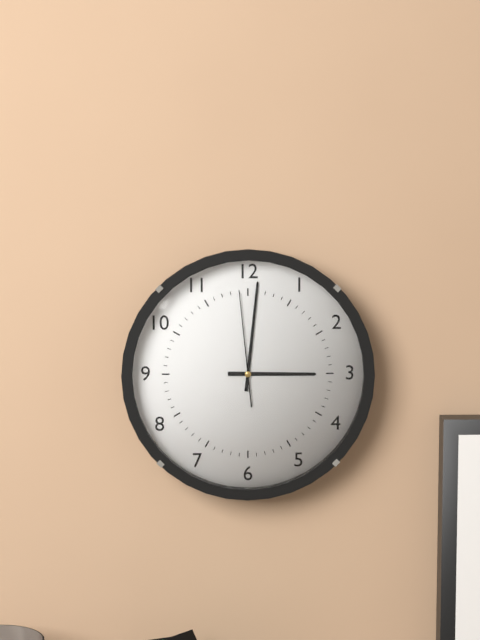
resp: 3,01,59
